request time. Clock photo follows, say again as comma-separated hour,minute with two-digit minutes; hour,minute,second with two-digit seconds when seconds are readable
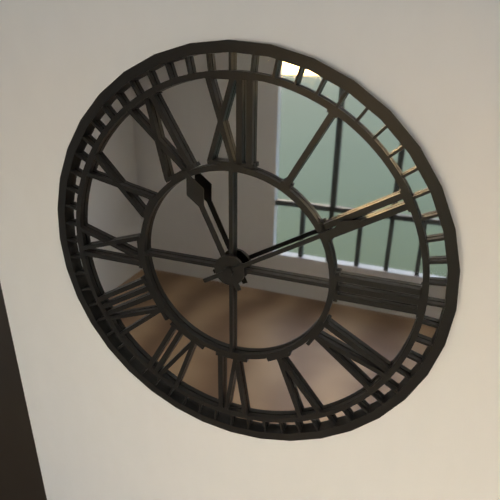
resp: 11,10
